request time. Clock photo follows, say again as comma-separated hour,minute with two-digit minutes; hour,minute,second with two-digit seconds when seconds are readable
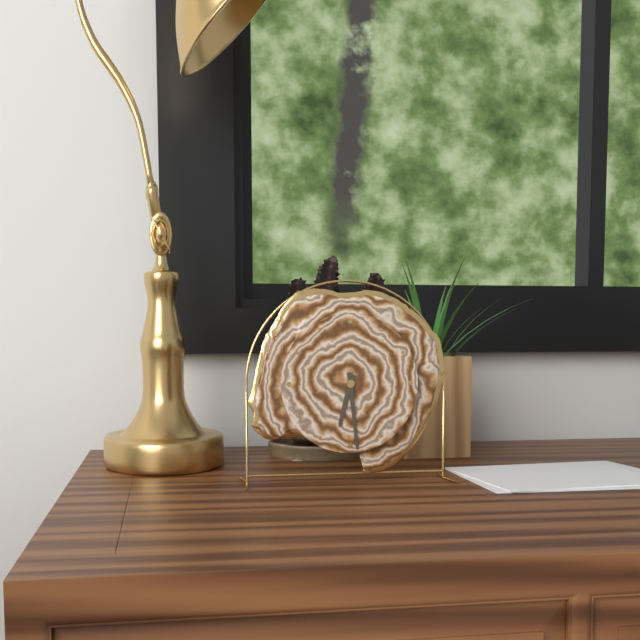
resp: 6,29
